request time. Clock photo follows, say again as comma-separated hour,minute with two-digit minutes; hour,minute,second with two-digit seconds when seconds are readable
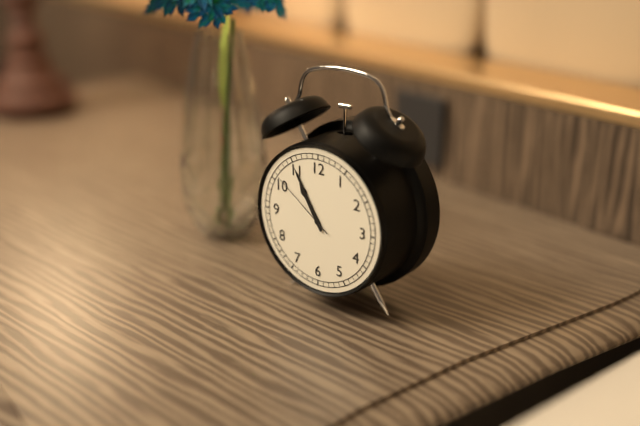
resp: 10,55,51
